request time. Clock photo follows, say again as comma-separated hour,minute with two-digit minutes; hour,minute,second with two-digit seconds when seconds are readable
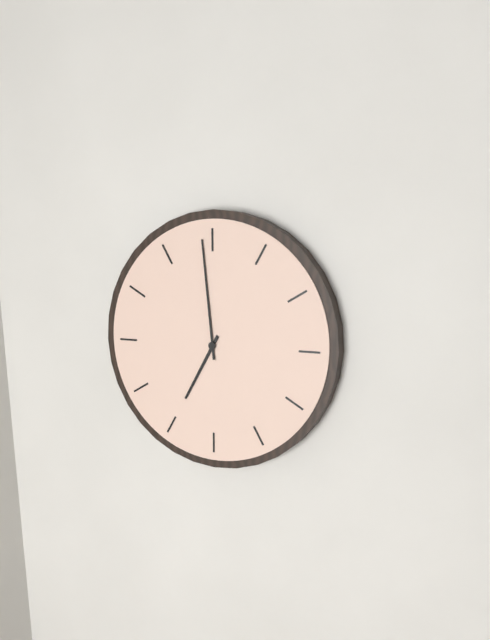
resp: 6,59
